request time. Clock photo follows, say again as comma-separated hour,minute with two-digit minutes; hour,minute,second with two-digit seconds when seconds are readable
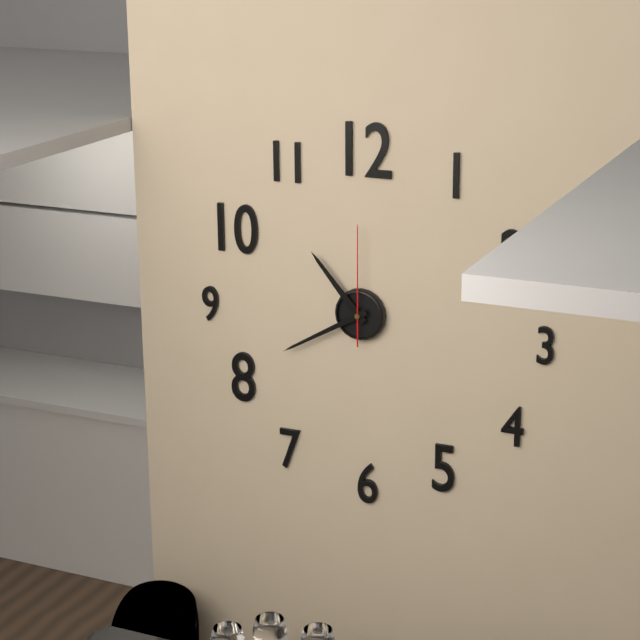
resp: 10,40,00
